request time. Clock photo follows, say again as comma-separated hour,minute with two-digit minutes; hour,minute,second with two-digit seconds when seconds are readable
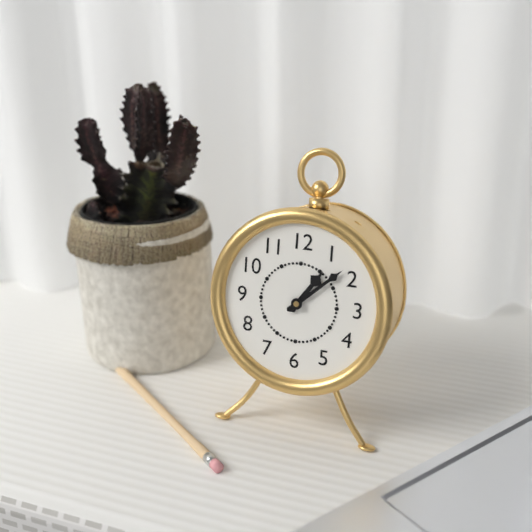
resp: 1,08
